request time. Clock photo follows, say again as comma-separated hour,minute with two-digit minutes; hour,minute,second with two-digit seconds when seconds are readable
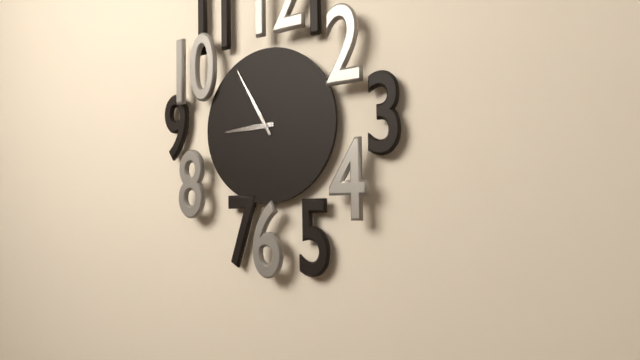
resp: 8,55
